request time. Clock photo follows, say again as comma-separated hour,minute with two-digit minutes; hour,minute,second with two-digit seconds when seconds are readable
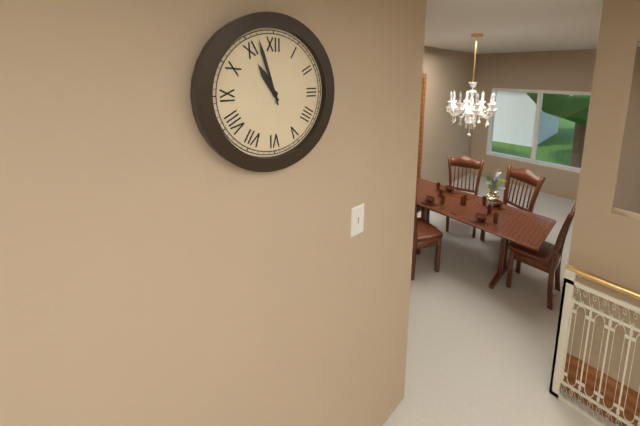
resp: 10,57
